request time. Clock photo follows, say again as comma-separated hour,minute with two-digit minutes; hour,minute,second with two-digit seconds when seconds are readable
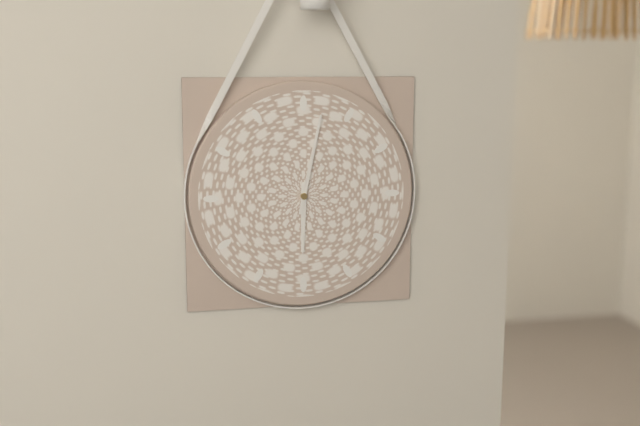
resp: 6,02
